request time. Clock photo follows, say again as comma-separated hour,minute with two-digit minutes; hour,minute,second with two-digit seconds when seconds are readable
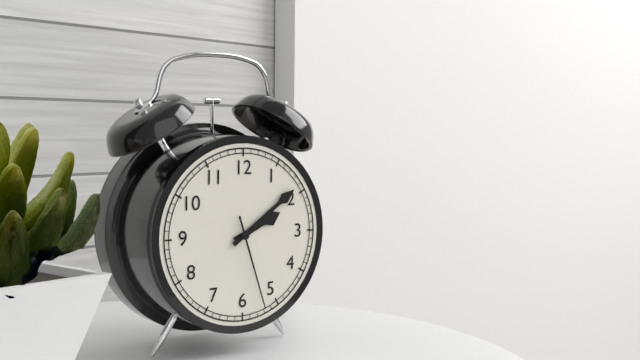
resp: 2,09,27
